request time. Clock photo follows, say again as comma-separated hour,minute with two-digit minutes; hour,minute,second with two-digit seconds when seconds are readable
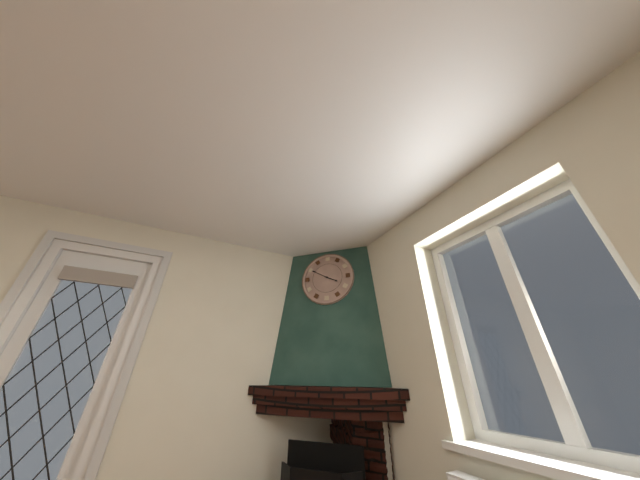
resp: 3,50
